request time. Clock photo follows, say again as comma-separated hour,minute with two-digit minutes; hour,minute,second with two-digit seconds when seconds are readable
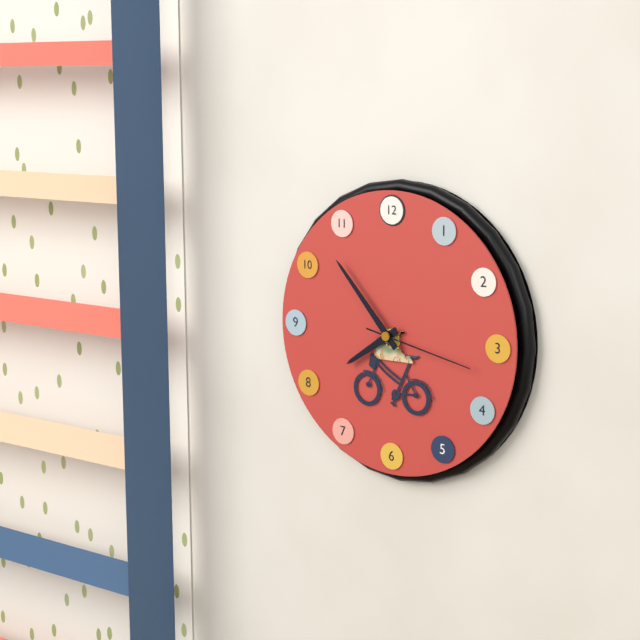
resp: 7,53,17
